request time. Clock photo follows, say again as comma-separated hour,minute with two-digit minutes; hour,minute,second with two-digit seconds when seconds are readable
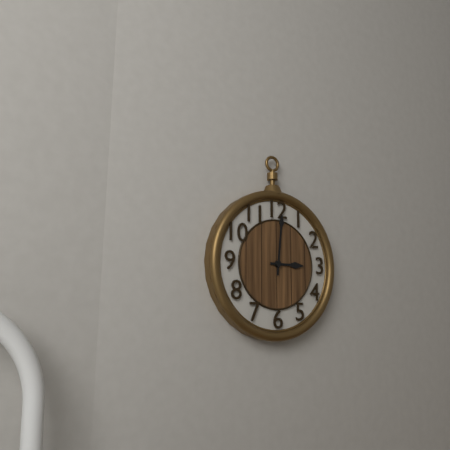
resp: 3,01
